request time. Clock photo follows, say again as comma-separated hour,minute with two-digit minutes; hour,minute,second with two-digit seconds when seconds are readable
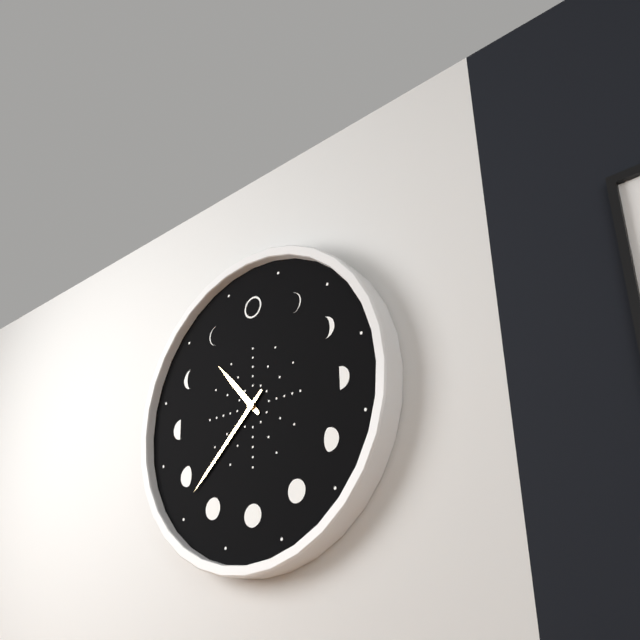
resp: 10,38
